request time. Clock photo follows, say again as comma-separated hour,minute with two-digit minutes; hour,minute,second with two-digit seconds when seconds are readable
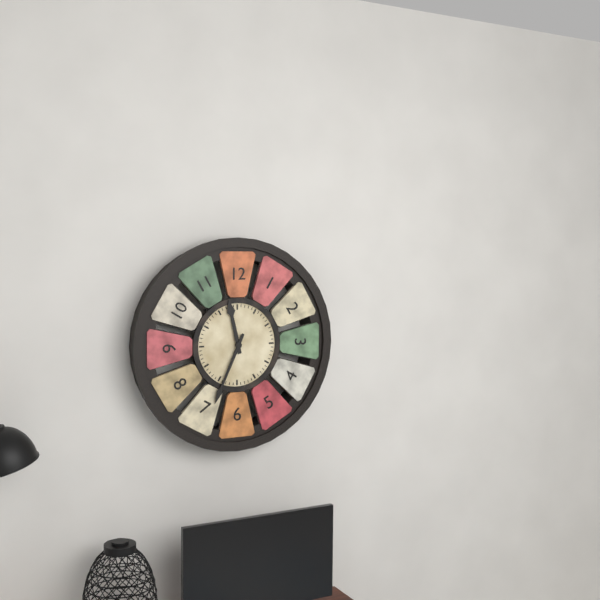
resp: 11,34
